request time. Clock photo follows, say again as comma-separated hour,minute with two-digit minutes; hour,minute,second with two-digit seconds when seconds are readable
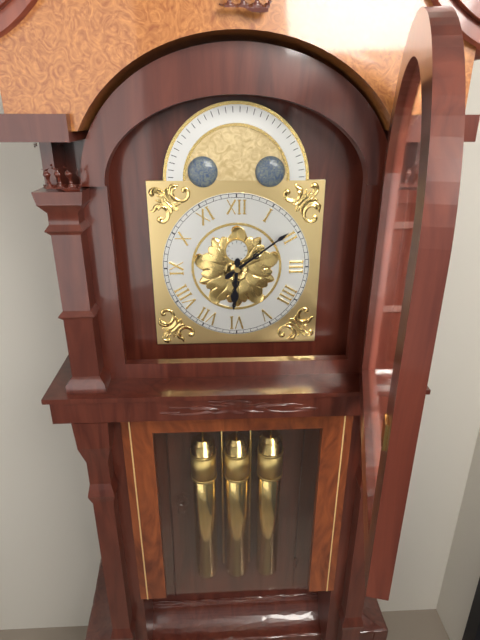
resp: 6,09
